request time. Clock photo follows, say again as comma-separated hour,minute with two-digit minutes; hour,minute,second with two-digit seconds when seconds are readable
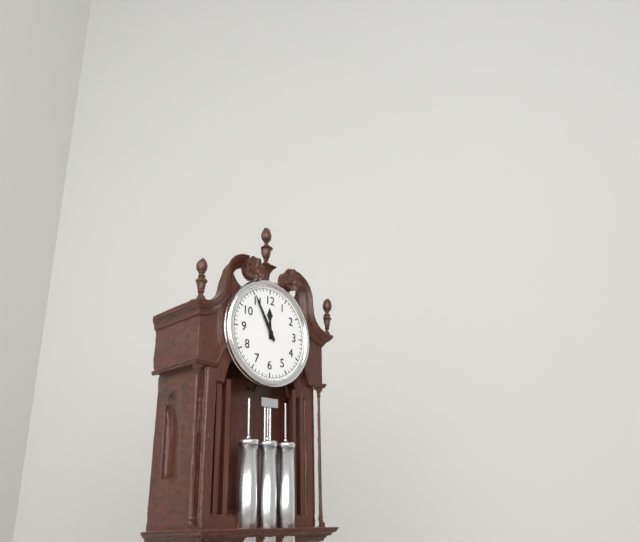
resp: 11,55
